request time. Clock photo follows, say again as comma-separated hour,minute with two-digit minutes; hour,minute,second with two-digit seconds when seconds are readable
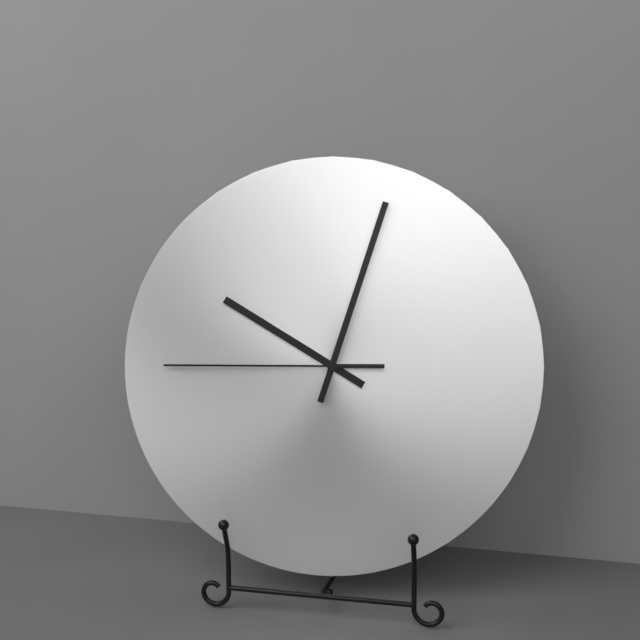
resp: 10,03,45
